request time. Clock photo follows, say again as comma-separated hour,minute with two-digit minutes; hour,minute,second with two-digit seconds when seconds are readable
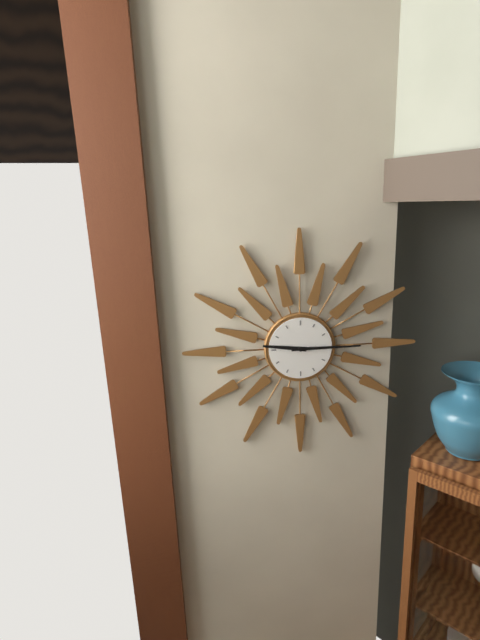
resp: 9,15
